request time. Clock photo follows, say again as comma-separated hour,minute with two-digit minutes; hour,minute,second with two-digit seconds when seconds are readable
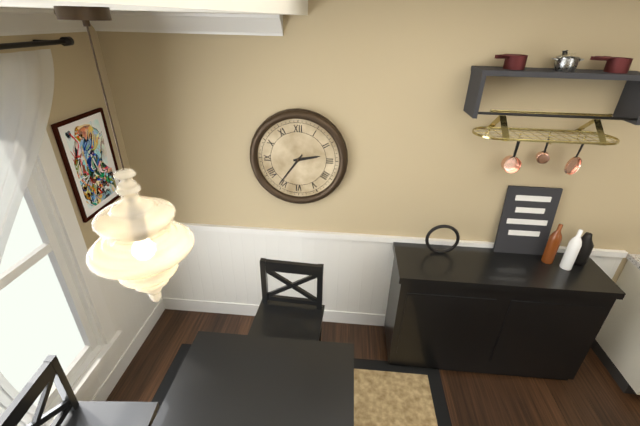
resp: 2,36
